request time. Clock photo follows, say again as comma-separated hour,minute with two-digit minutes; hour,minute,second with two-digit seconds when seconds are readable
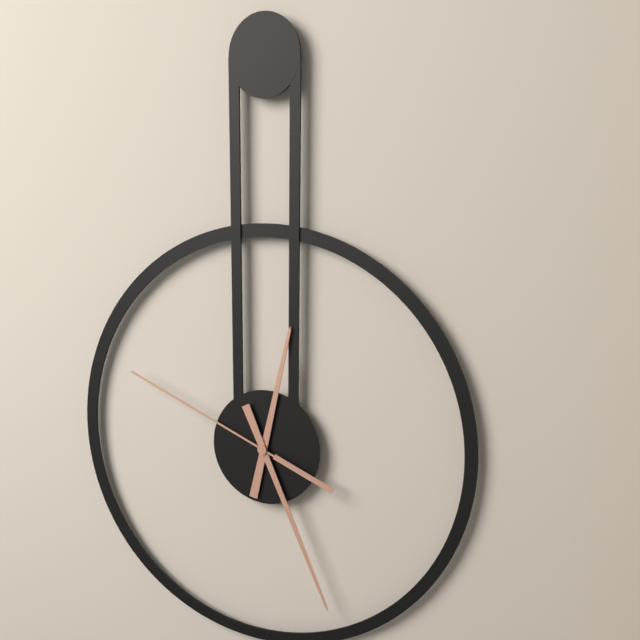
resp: 12,26,49
